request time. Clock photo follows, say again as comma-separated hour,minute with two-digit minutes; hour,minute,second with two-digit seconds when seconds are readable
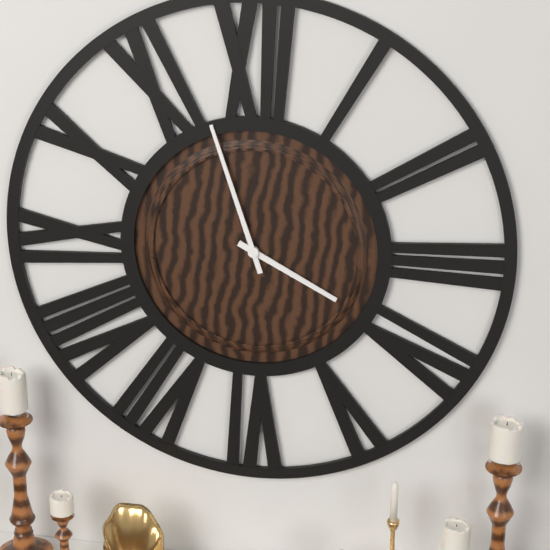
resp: 3,57
